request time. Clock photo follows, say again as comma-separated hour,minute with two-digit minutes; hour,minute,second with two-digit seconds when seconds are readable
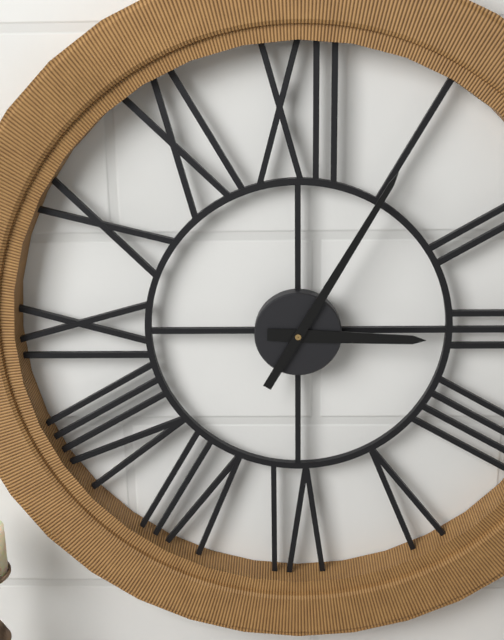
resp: 3,05
